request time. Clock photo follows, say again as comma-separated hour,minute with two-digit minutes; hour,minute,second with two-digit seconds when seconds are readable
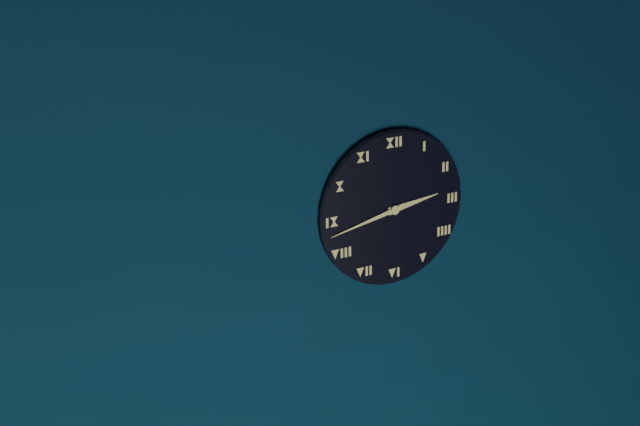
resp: 2,43
